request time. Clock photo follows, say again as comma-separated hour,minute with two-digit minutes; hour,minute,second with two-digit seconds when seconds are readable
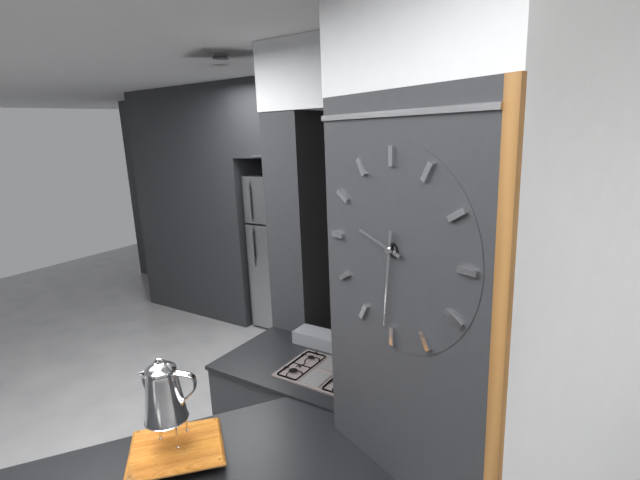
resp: 9,31
